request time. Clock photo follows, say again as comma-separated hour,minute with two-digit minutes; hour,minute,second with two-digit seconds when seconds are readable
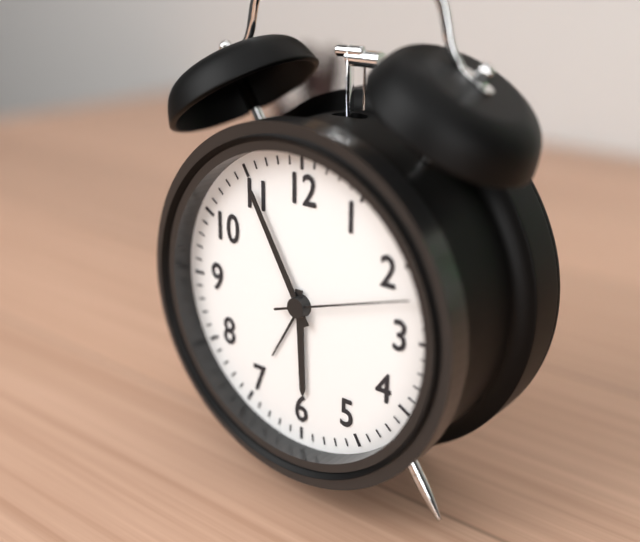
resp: 5,55,12
